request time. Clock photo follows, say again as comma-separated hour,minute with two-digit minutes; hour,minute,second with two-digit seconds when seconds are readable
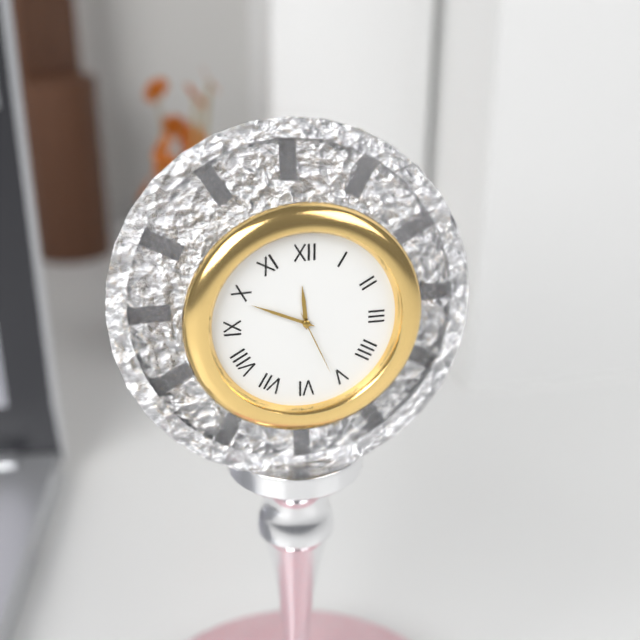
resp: 11,49,26
